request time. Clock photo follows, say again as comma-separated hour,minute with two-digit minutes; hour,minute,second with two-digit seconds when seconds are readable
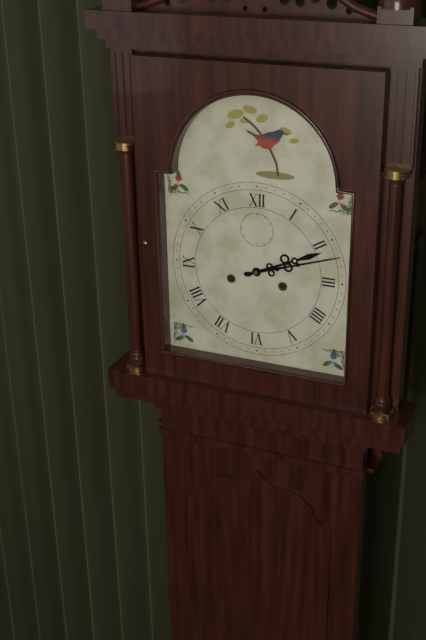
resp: 2,12
